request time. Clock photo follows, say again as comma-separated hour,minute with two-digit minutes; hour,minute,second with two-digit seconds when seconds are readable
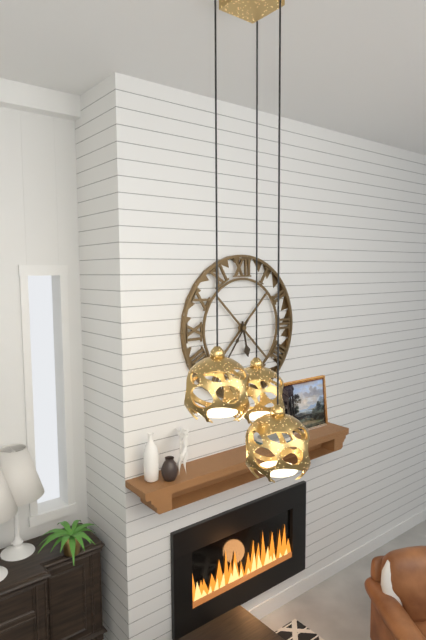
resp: 5,36
